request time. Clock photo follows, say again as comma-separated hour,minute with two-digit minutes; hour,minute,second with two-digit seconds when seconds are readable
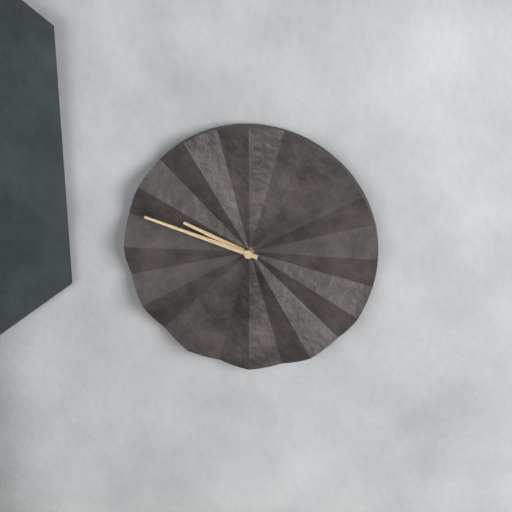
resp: 9,48
